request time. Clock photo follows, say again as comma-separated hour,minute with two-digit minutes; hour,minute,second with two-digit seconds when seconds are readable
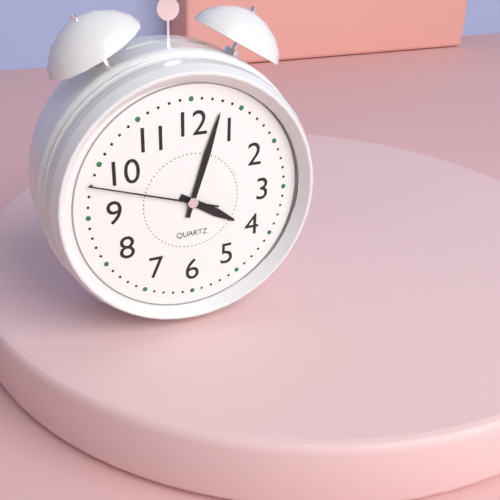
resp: 4,03,48
